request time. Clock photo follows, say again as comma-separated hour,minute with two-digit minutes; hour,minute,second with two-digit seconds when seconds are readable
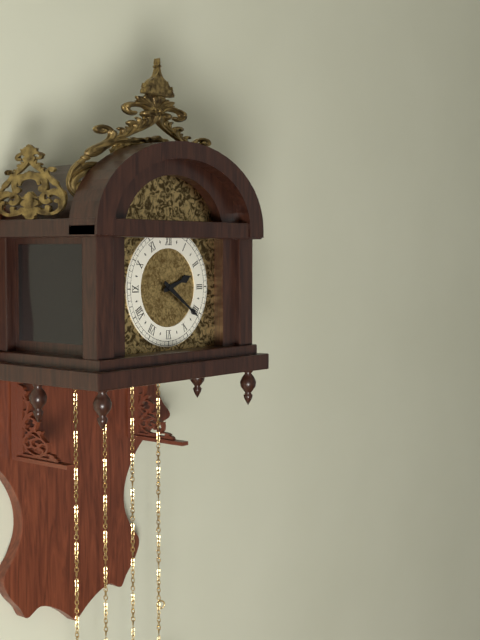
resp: 2,21
